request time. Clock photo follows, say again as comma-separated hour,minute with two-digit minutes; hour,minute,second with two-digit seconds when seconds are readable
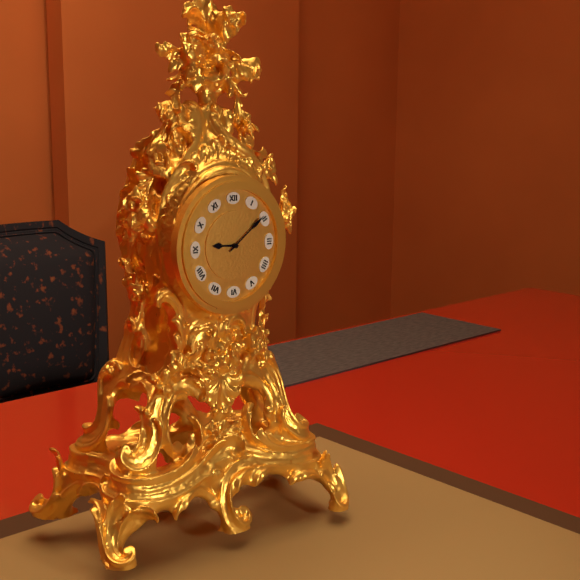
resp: 9,09
